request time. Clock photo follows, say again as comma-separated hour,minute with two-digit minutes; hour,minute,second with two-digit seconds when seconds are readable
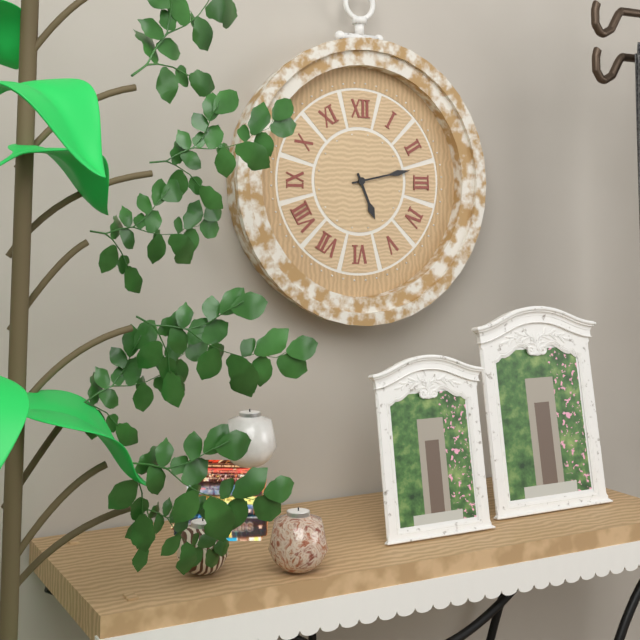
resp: 5,13
